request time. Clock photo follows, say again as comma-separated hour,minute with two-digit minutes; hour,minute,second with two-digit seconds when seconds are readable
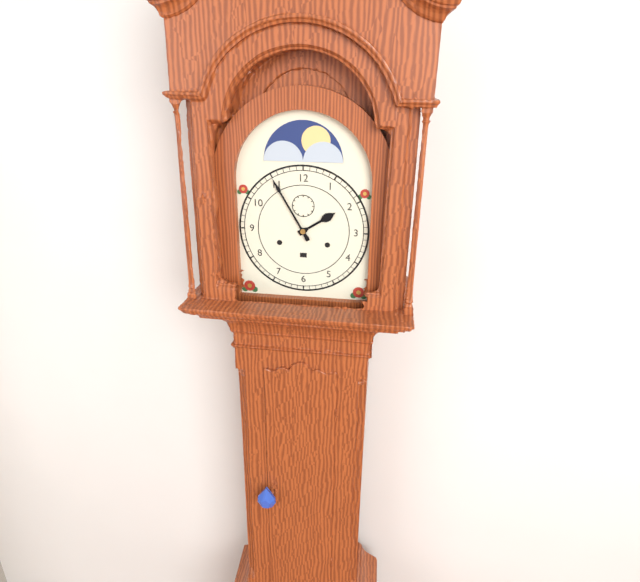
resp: 1,55
